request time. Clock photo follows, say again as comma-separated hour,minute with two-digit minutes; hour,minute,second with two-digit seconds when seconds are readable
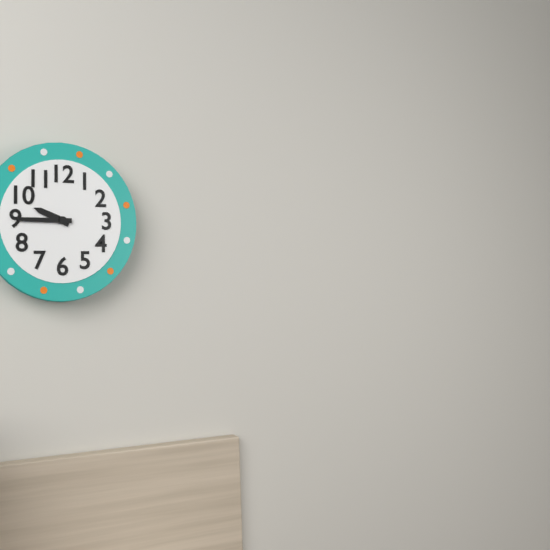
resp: 9,45
